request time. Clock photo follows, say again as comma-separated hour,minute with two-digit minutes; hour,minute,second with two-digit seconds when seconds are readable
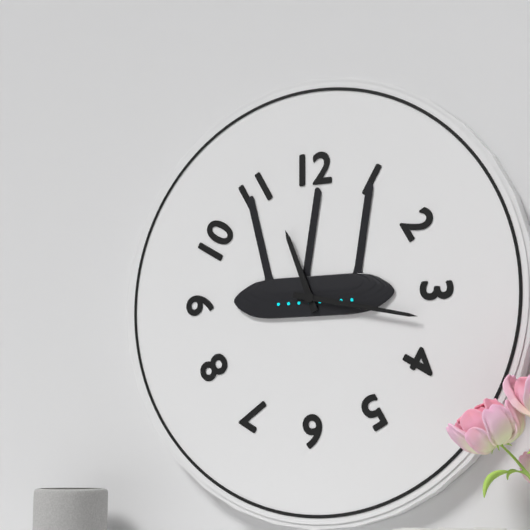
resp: 11,17
